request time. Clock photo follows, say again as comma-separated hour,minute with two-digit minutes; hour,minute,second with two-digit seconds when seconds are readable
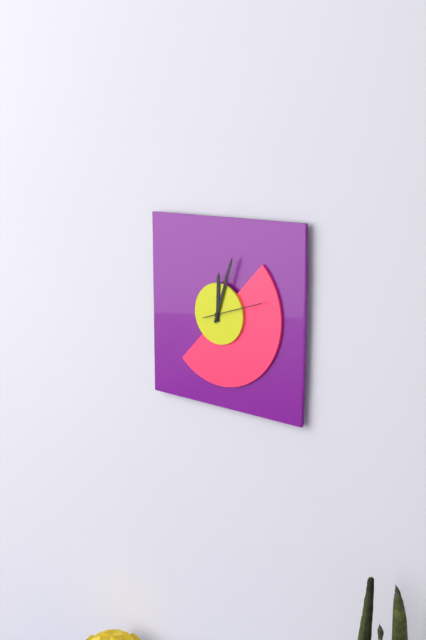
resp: 12,03,12
